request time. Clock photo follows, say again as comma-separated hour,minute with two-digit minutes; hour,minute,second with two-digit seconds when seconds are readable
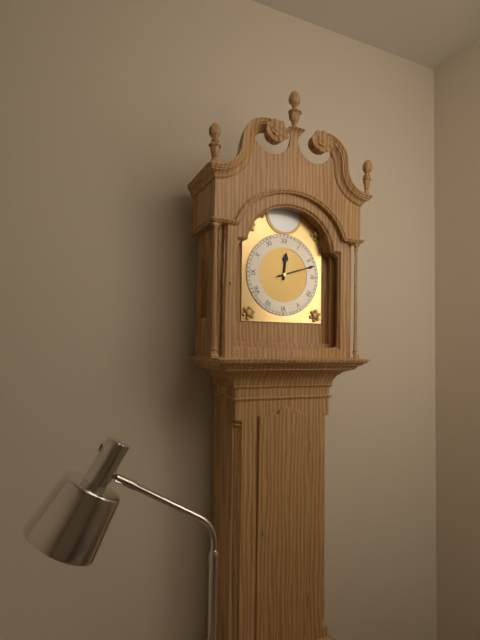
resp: 12,12
